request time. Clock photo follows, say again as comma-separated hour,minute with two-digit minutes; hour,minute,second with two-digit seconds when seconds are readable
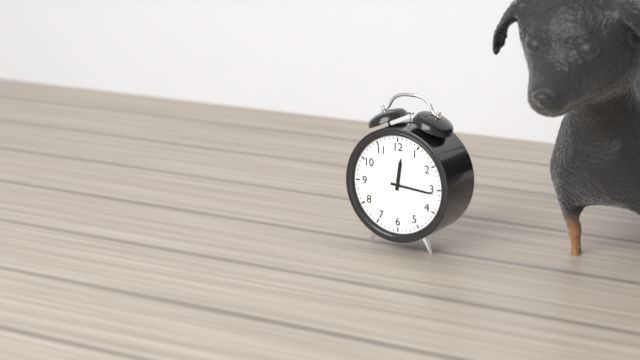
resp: 12,16
